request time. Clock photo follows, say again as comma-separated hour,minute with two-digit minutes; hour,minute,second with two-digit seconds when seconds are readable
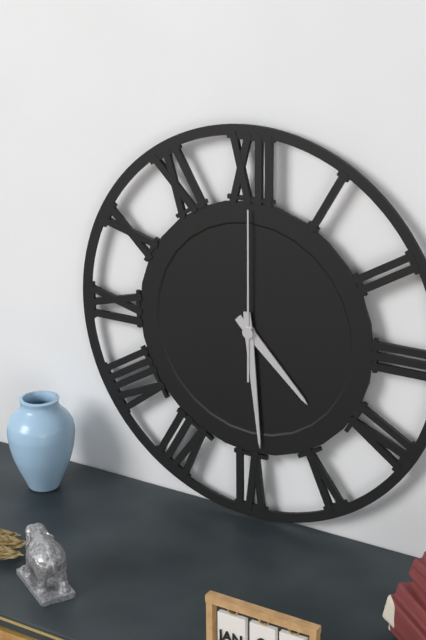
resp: 4,29,00
